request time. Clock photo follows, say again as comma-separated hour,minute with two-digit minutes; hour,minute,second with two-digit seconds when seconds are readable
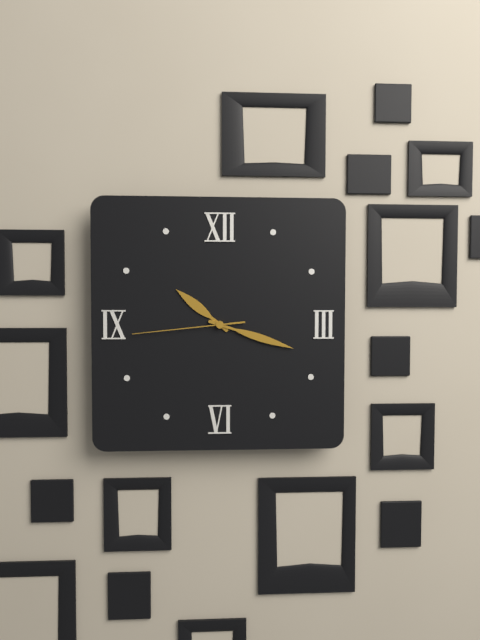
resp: 10,18,44
